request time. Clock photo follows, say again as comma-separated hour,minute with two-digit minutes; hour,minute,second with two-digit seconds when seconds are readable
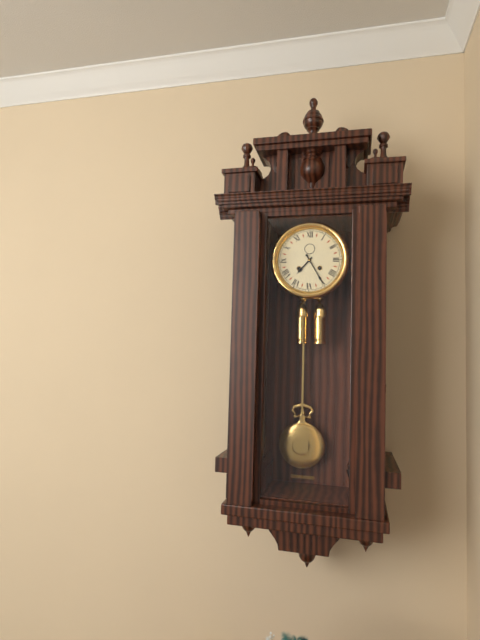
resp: 7,25
